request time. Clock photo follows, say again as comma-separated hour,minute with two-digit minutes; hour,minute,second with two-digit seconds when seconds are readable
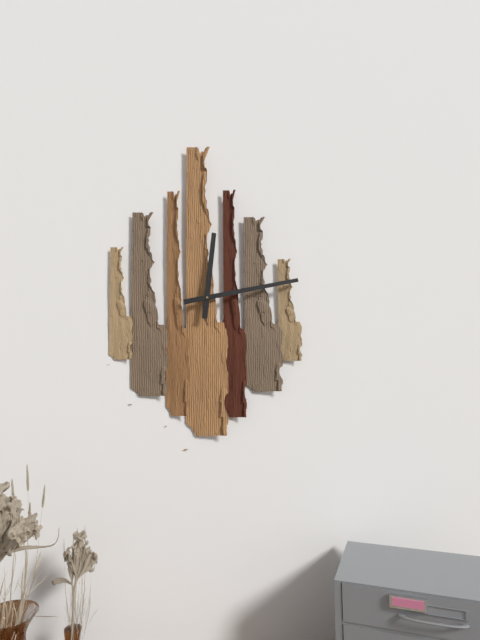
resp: 12,13
